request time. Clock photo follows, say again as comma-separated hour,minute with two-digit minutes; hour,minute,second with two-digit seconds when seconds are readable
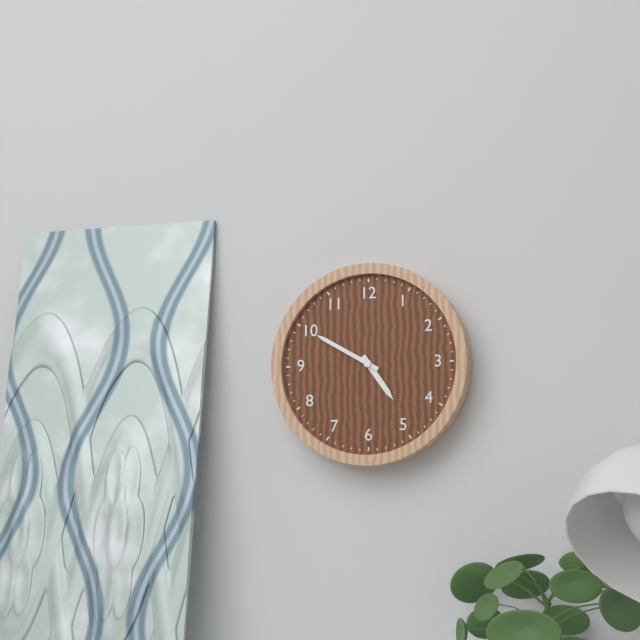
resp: 4,50
